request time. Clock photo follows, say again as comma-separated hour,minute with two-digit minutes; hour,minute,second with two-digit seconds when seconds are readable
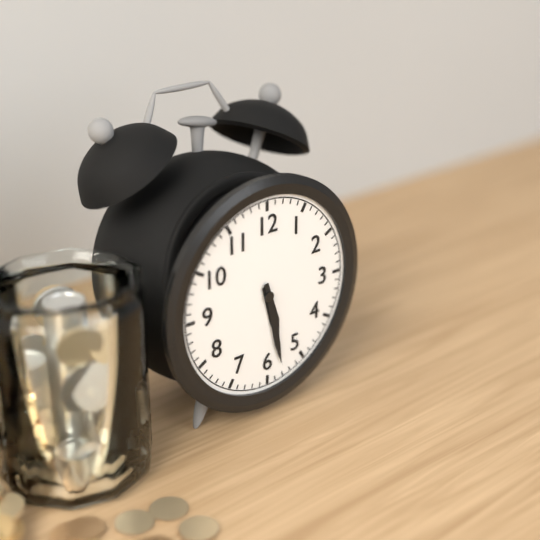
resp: 5,28
